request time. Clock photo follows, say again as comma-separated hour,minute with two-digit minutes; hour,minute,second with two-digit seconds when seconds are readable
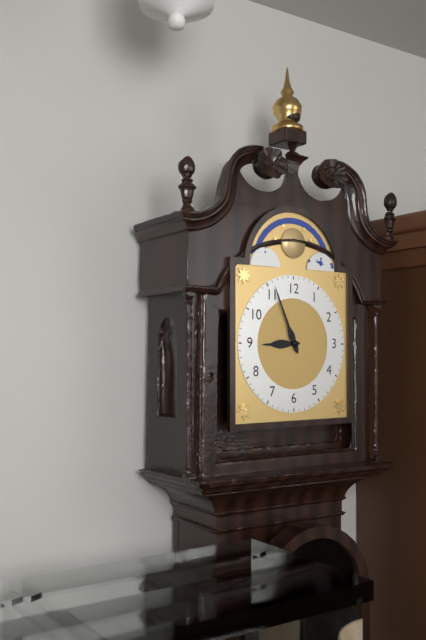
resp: 8,56
